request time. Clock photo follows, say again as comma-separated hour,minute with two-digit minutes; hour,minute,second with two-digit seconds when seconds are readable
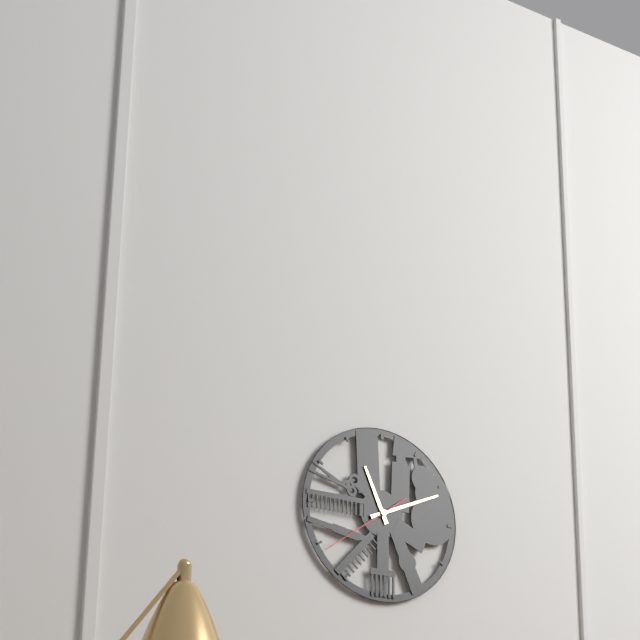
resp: 11,11,39
